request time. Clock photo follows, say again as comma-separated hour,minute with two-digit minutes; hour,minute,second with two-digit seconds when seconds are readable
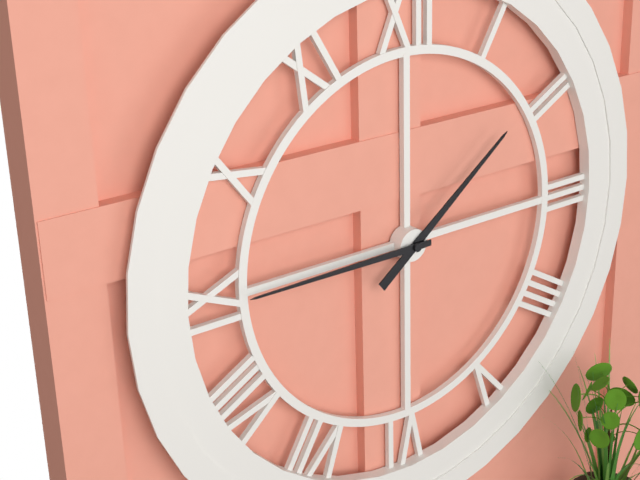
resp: 1,45
